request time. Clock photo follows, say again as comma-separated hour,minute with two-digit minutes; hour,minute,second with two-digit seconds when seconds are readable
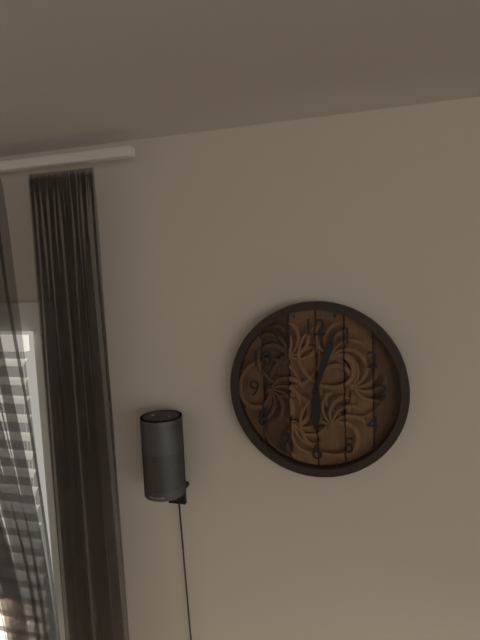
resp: 6,03
